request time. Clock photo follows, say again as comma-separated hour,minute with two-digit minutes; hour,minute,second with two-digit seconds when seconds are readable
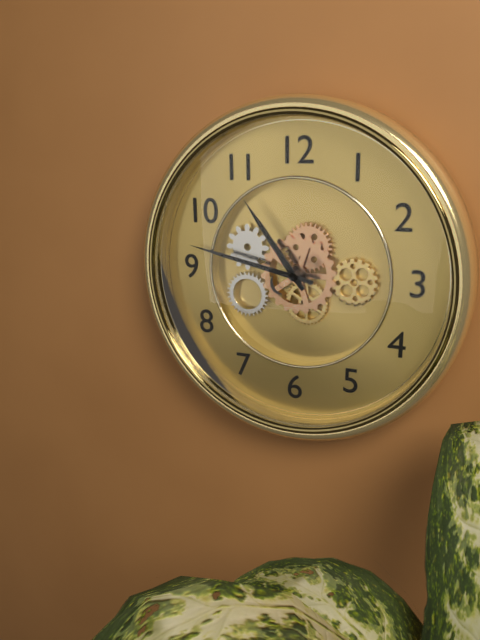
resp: 10,47
